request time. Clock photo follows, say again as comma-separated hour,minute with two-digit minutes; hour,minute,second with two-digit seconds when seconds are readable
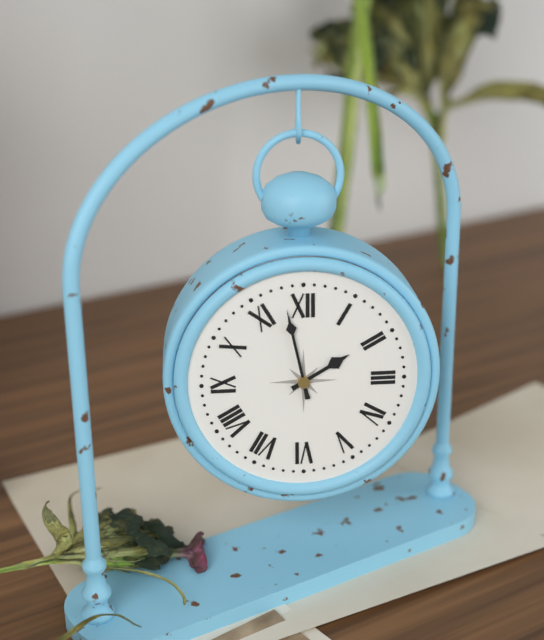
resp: 1,58
